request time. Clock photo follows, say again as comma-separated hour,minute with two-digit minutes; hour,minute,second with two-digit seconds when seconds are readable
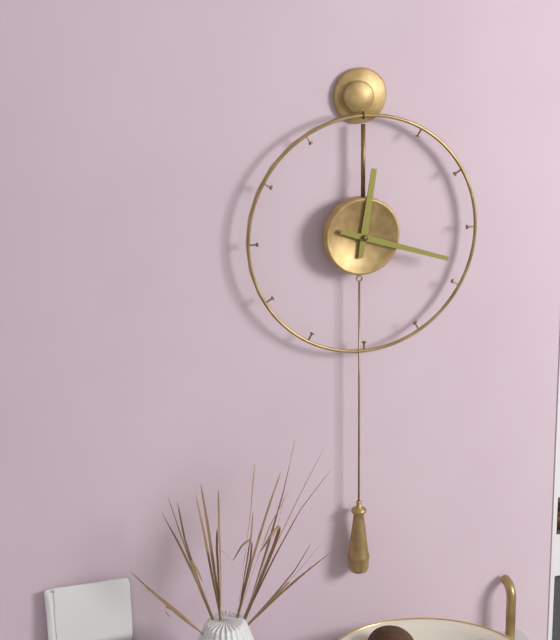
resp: 12,18
